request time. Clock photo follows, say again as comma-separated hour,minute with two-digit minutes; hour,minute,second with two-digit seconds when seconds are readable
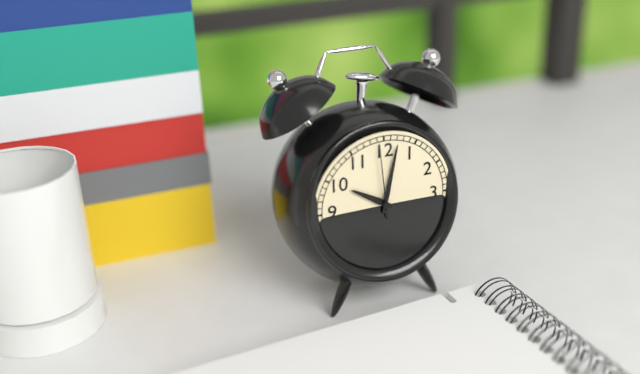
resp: 10,02,59
